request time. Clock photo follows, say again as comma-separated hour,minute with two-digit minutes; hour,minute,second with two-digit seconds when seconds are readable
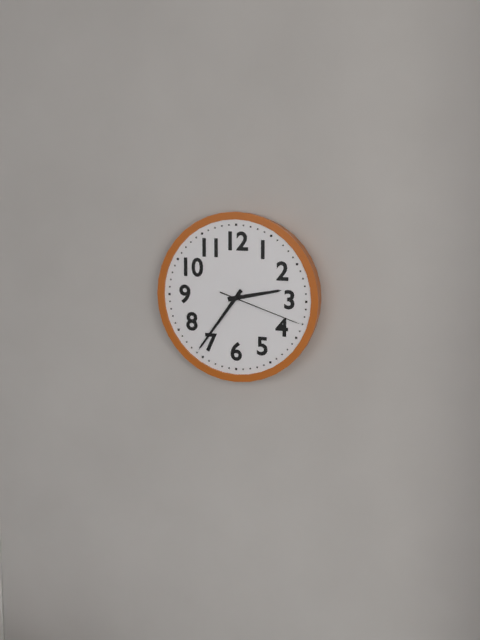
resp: 2,36,18
